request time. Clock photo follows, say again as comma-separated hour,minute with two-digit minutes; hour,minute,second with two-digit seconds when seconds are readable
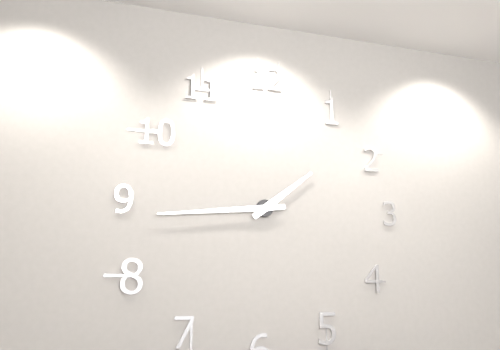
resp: 1,44
